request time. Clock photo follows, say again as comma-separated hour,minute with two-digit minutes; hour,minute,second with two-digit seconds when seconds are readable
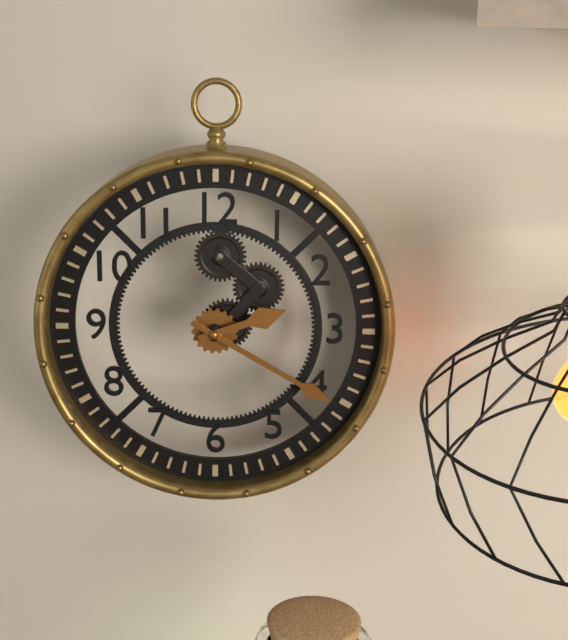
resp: 2,20
